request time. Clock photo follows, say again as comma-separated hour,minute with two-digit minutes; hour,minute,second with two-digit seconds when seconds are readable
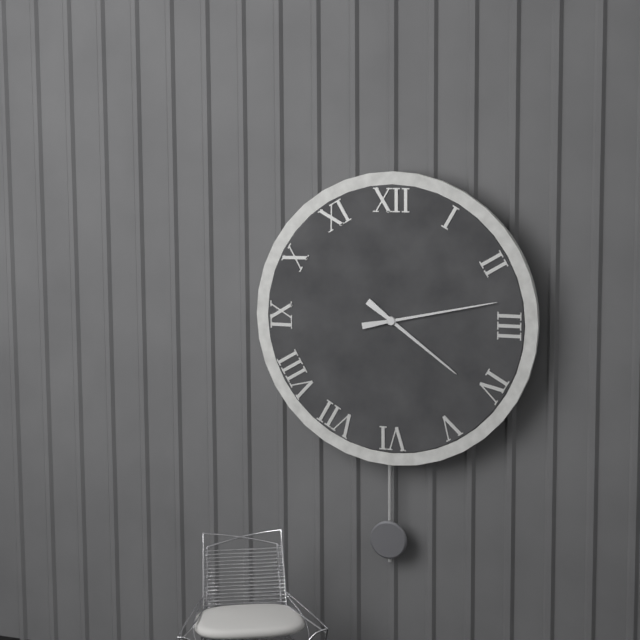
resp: 4,13
